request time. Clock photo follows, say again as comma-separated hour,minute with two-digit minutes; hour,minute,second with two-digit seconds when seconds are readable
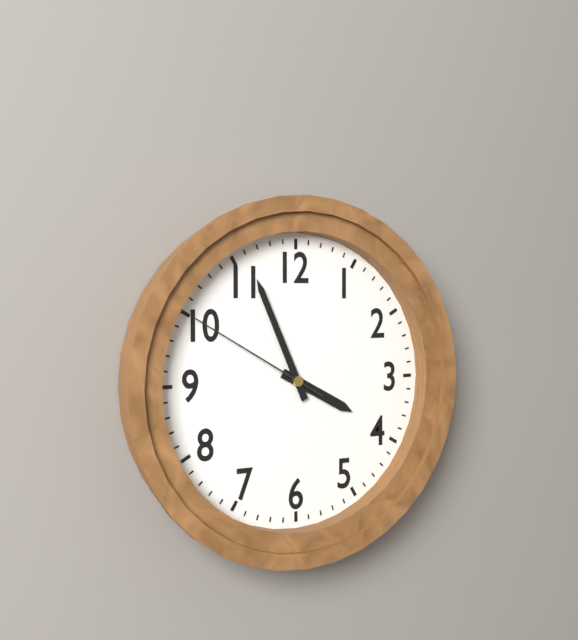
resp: 3,56,50
